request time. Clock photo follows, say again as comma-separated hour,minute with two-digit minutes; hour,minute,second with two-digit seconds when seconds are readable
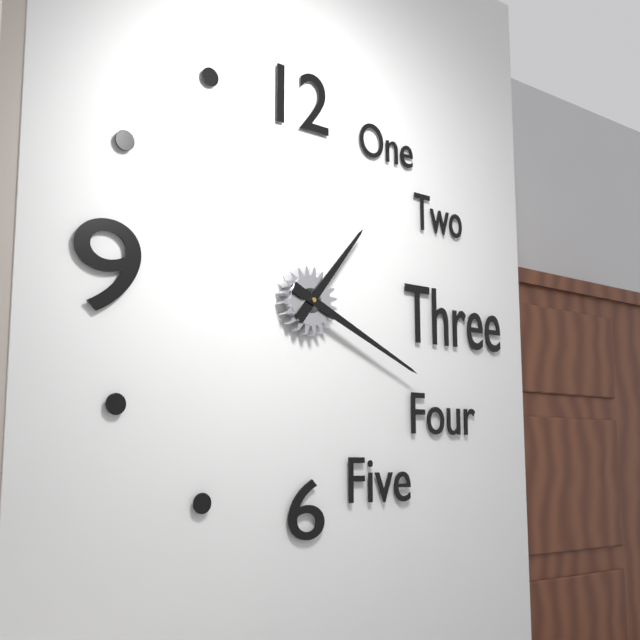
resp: 1,19
